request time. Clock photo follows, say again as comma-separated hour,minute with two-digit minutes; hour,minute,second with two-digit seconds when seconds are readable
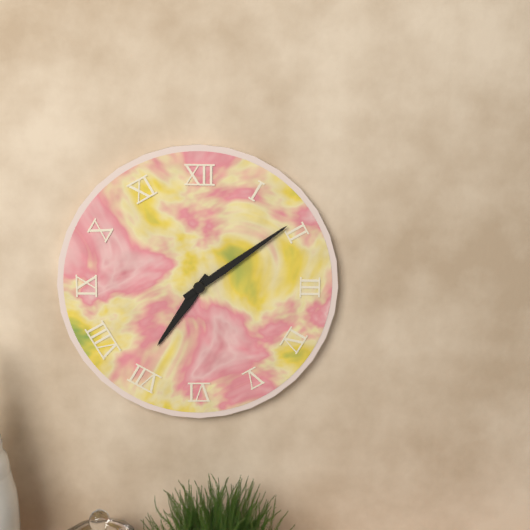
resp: 7,09
